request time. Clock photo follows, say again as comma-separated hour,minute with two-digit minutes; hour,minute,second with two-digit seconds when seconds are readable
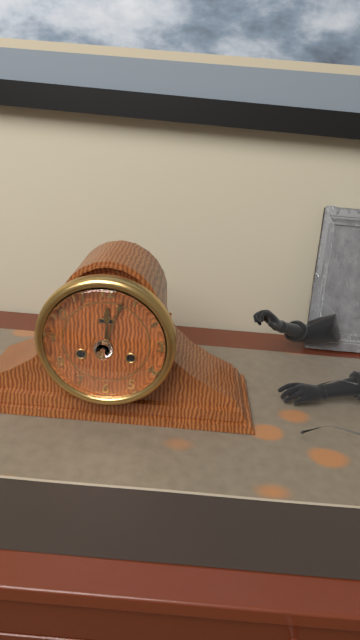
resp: 12,03
